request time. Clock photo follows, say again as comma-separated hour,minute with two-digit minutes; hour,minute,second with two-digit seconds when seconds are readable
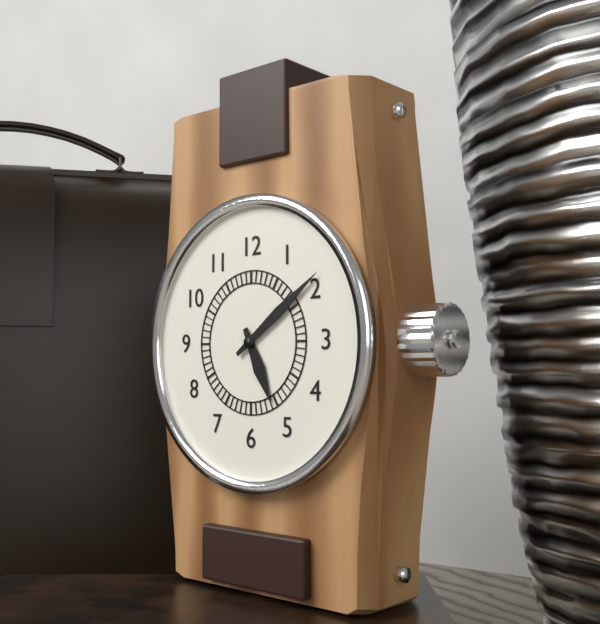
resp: 5,09
